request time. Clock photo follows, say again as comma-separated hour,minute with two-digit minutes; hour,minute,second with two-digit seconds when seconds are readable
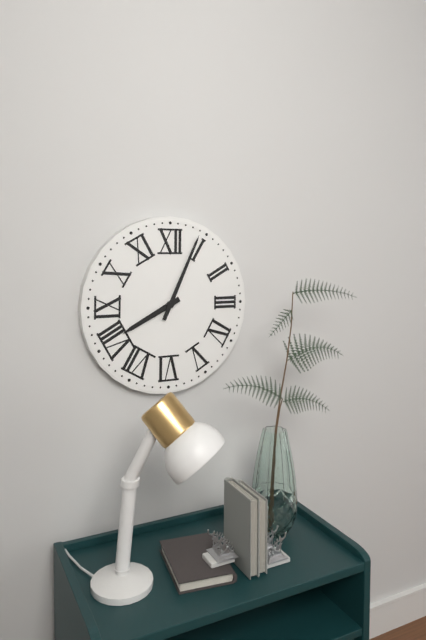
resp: 8,04
